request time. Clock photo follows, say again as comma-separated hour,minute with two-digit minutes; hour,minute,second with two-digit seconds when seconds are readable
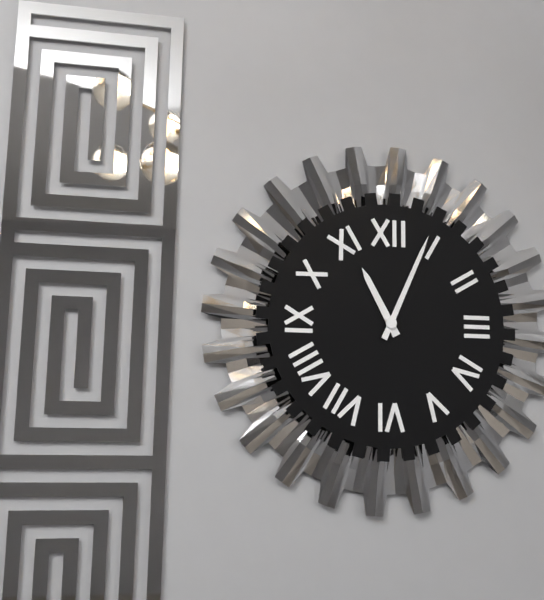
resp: 11,04
